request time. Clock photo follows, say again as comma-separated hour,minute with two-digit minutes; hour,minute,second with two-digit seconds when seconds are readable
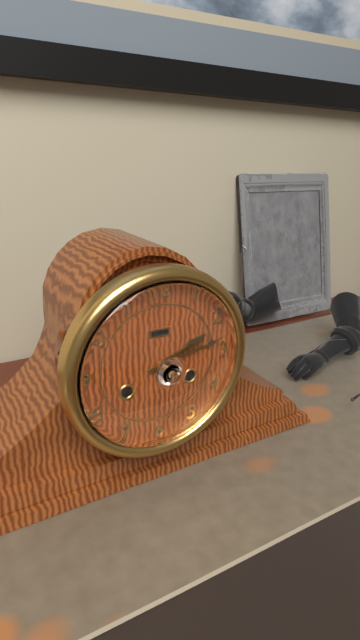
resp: 2,13
